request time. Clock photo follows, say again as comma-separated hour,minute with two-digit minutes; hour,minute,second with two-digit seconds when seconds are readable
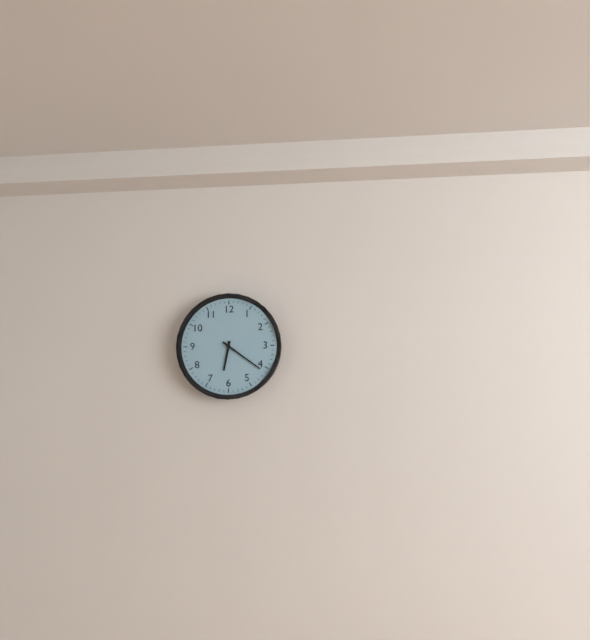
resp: 6,21
